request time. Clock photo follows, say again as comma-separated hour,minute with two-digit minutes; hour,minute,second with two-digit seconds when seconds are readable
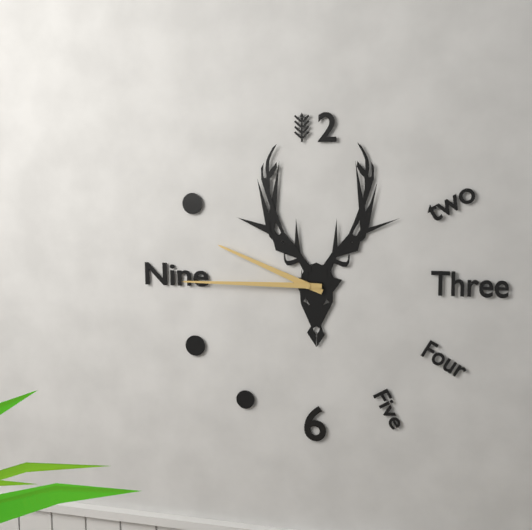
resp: 9,45
